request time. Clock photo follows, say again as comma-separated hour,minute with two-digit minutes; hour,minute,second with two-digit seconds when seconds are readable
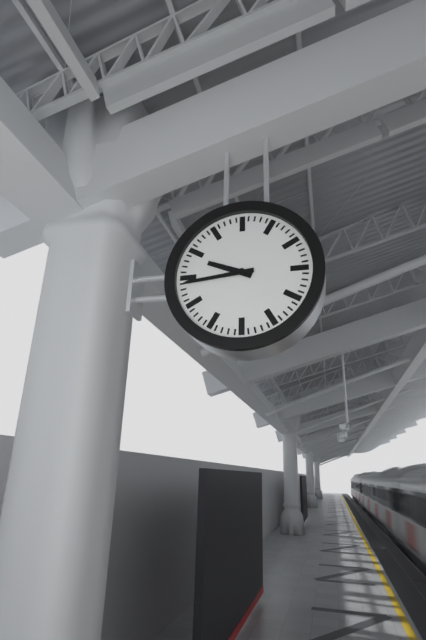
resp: 9,44
